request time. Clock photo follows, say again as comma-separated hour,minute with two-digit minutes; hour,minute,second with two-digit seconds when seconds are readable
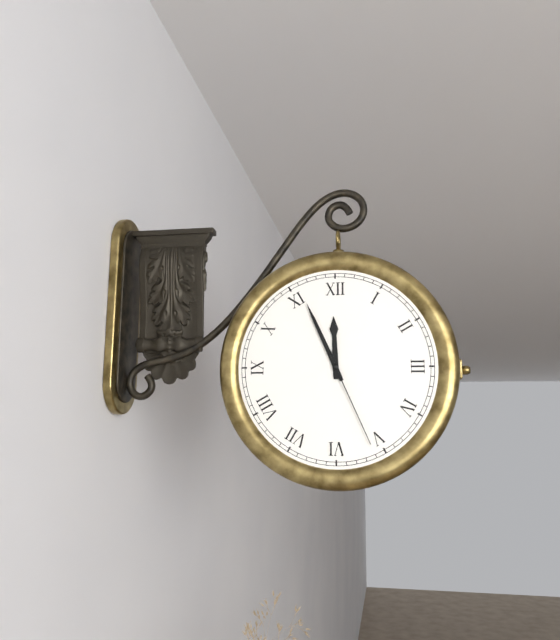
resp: 11,56,26
